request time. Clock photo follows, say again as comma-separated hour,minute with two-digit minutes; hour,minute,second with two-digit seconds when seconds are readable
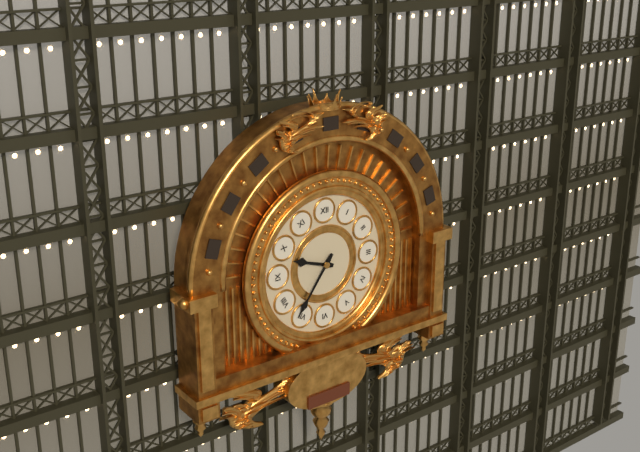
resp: 9,36
